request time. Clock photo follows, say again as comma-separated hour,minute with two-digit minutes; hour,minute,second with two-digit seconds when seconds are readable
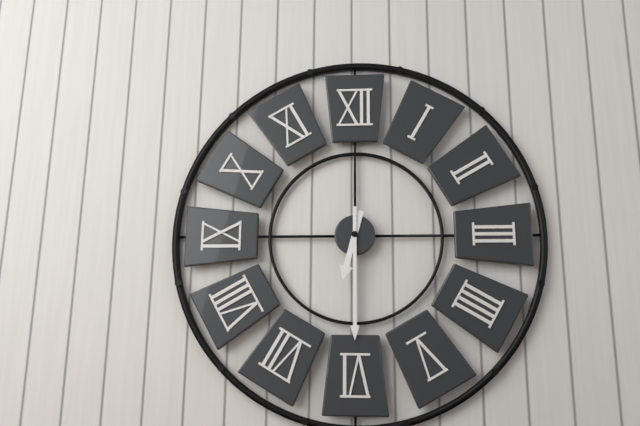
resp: 6,30
